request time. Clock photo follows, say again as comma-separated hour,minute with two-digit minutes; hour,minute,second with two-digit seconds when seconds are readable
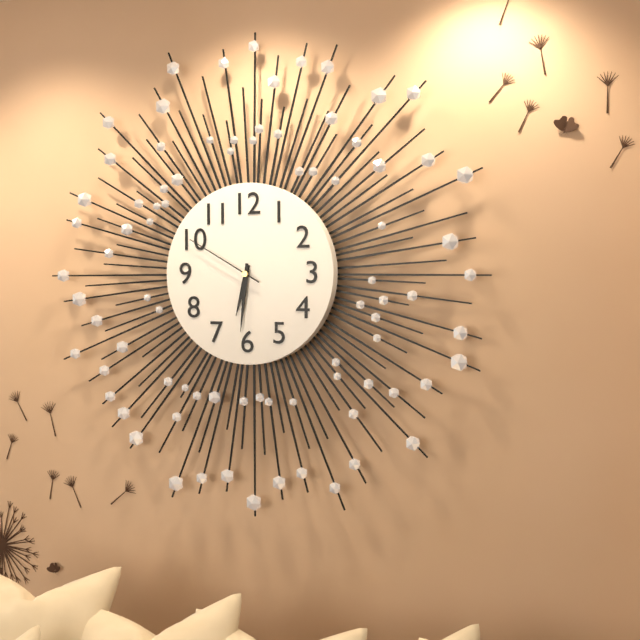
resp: 6,31,50
